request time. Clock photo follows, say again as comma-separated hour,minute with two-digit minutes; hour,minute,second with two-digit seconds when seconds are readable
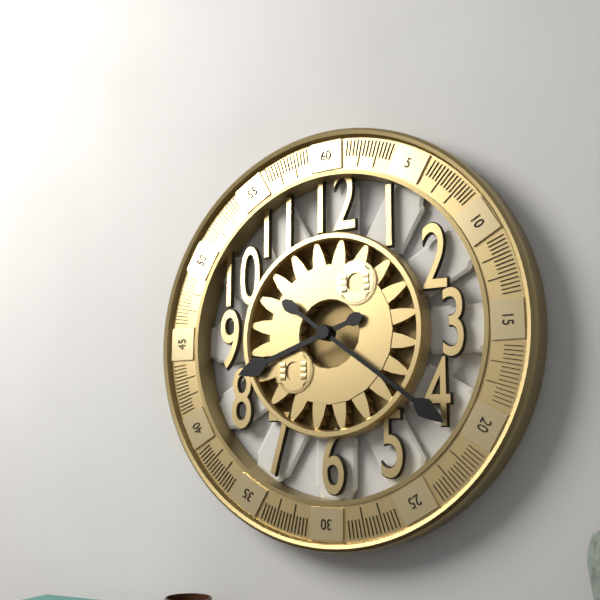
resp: 8,21
